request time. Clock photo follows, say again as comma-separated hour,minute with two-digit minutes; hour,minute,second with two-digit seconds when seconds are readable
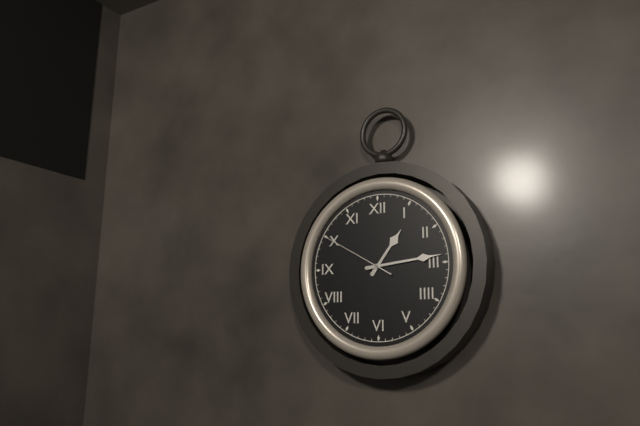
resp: 1,14,50
